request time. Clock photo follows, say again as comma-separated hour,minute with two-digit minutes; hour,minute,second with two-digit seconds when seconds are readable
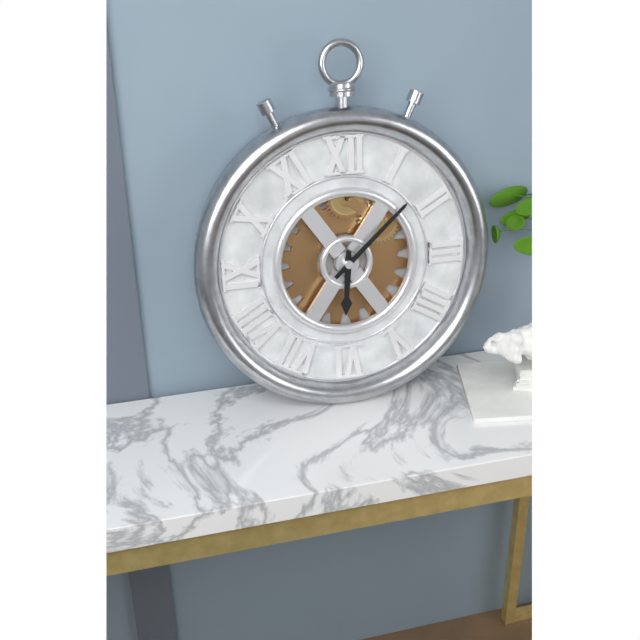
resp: 6,08
